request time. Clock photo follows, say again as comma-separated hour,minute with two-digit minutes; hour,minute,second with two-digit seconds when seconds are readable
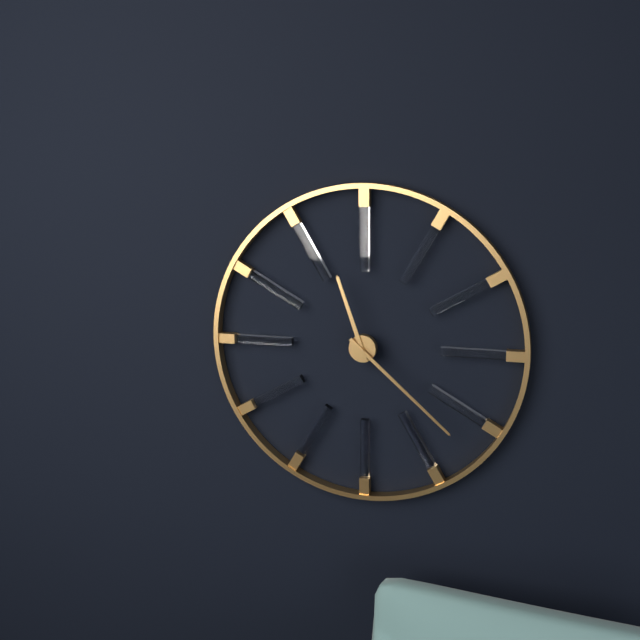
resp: 11,22
